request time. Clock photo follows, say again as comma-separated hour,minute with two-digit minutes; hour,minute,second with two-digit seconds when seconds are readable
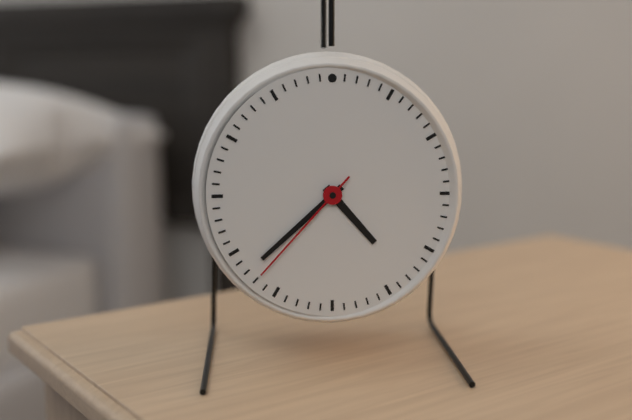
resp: 4,38,37
